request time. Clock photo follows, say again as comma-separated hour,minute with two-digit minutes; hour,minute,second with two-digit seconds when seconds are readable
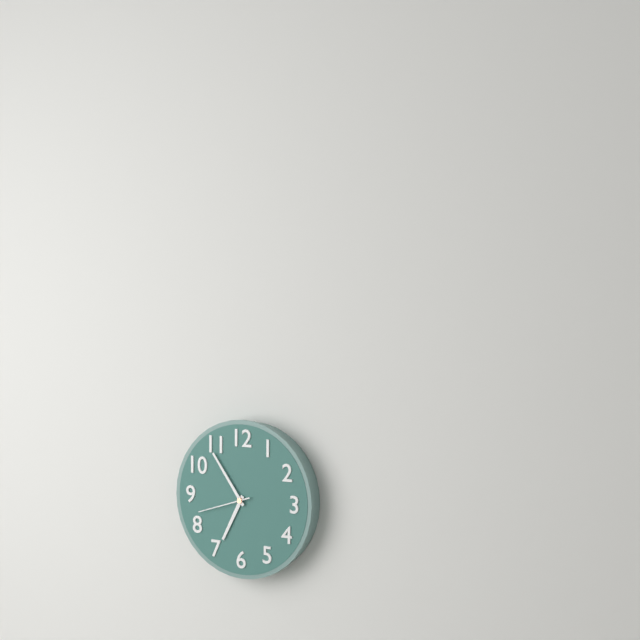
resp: 6,54,42
